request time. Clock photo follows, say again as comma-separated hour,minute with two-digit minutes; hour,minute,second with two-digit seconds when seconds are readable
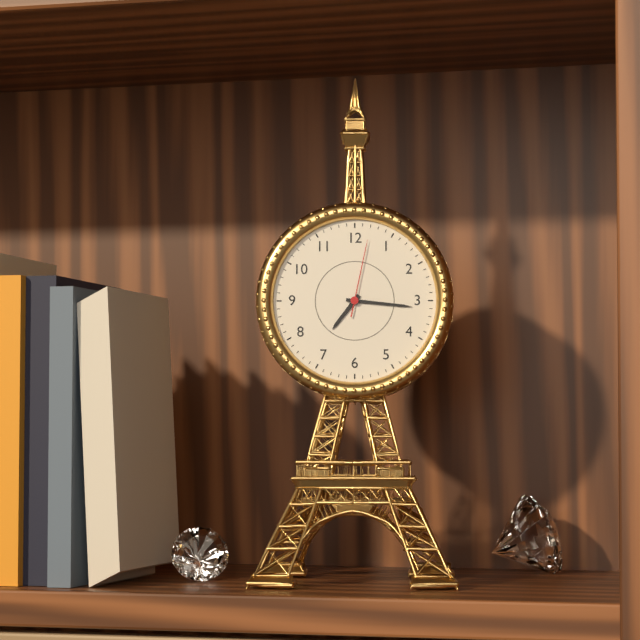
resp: 7,16,02
